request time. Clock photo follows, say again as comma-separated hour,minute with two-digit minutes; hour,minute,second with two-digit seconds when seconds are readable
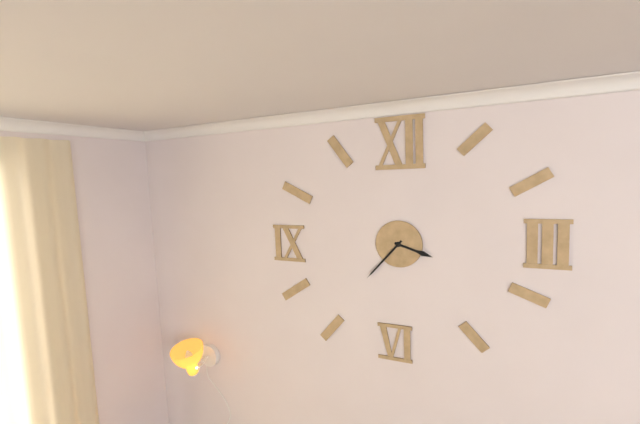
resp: 3,37
